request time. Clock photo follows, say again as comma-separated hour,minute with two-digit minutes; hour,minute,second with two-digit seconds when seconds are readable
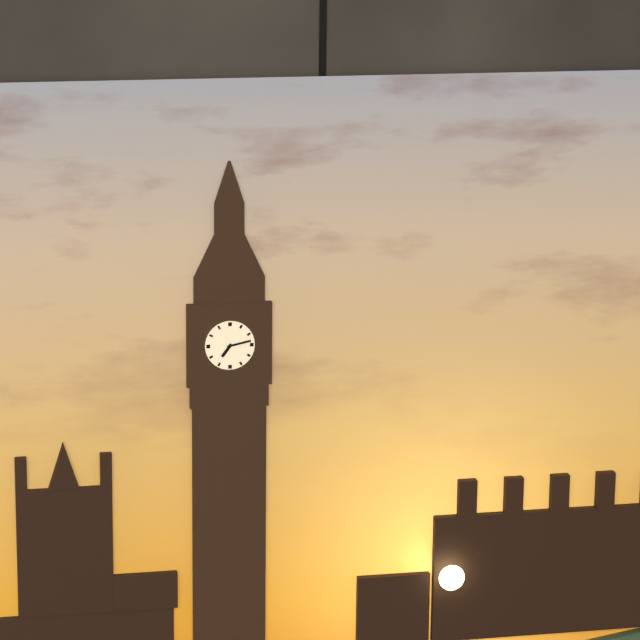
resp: 7,13
